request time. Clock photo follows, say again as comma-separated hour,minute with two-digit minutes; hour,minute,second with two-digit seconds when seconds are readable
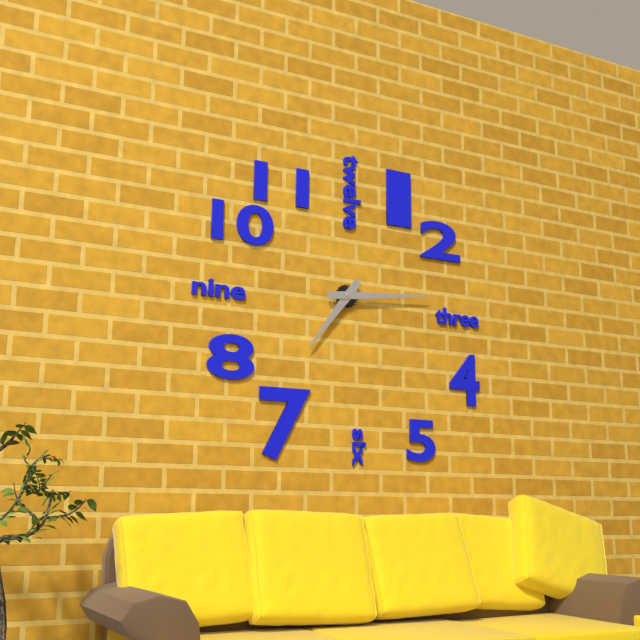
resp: 7,14
